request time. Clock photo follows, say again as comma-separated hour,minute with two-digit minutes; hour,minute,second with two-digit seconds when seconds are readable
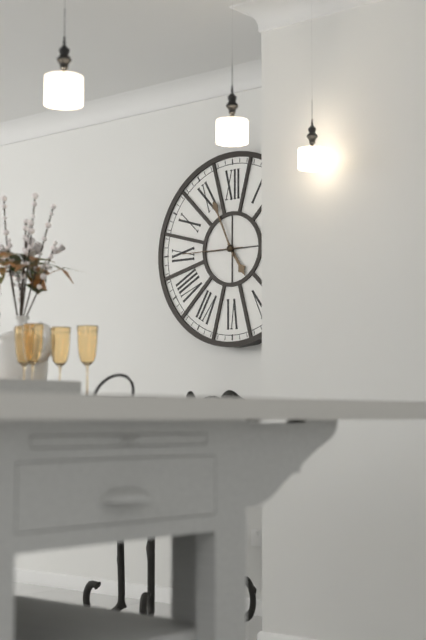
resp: 4,56,45
